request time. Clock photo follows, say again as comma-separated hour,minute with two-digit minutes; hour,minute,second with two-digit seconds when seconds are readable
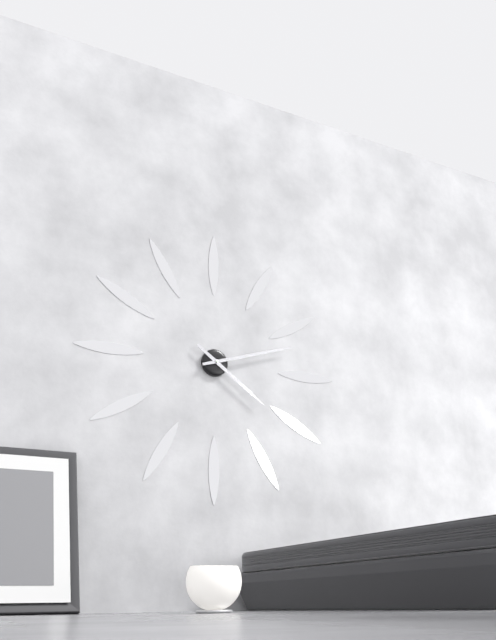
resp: 4,12
